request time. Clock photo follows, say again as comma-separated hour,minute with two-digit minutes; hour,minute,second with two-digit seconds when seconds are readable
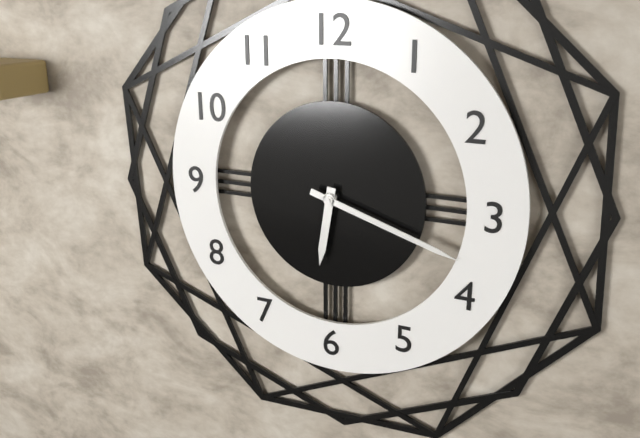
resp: 6,18
